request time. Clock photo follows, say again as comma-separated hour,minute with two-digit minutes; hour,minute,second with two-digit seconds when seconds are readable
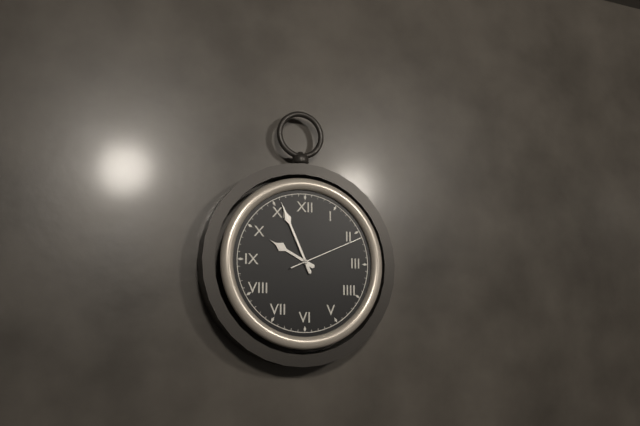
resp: 9,56,11
